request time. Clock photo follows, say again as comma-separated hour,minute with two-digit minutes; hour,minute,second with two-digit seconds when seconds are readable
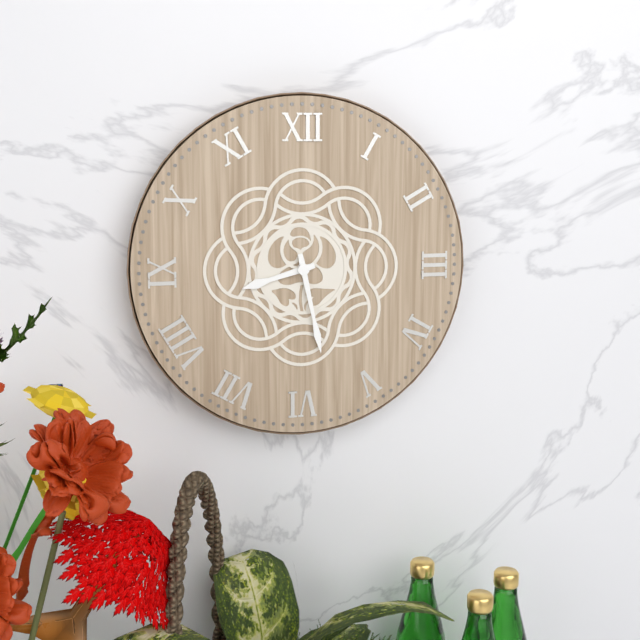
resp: 8,28
